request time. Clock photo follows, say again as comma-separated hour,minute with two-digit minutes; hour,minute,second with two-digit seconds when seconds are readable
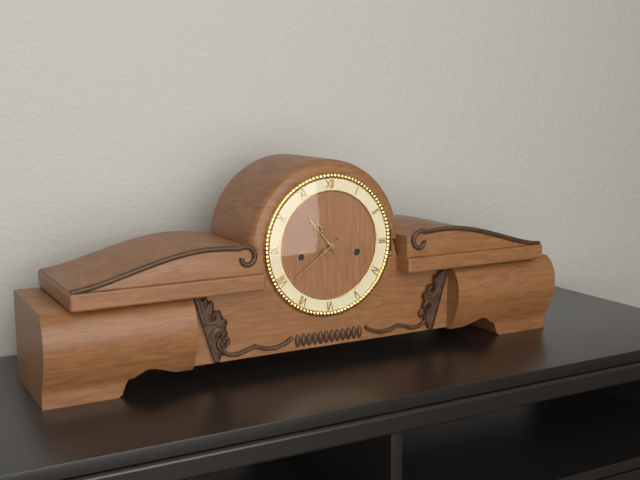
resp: 10,39
